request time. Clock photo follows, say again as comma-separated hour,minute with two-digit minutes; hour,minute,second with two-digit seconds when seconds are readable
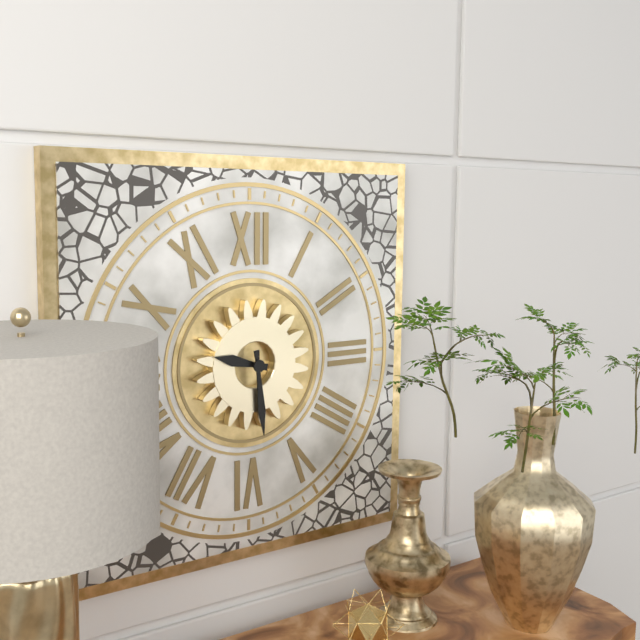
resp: 9,29
